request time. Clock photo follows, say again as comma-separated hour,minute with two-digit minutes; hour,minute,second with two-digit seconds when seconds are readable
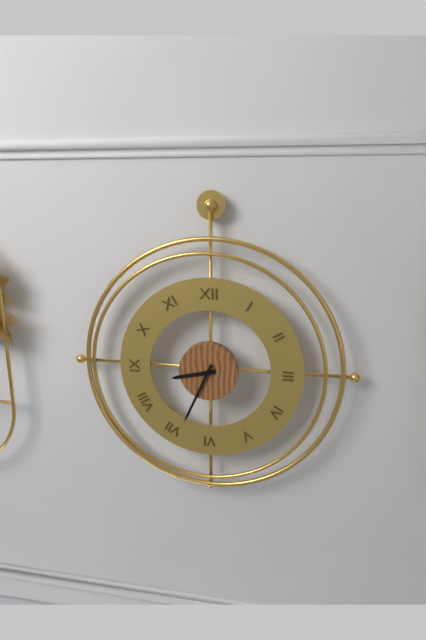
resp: 8,34
